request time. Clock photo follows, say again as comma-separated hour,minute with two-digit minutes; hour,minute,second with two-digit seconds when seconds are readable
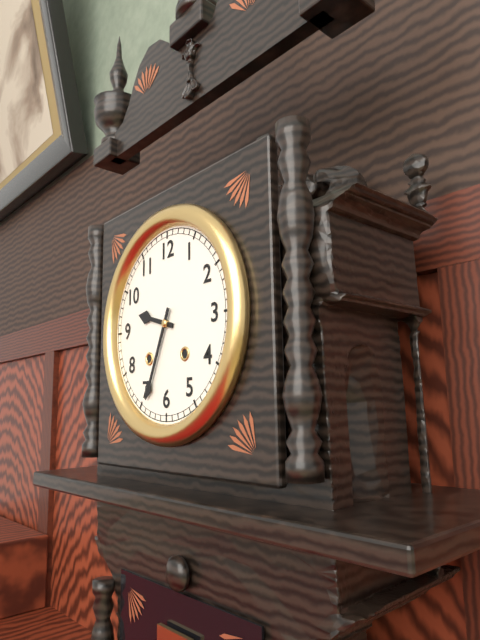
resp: 9,34
